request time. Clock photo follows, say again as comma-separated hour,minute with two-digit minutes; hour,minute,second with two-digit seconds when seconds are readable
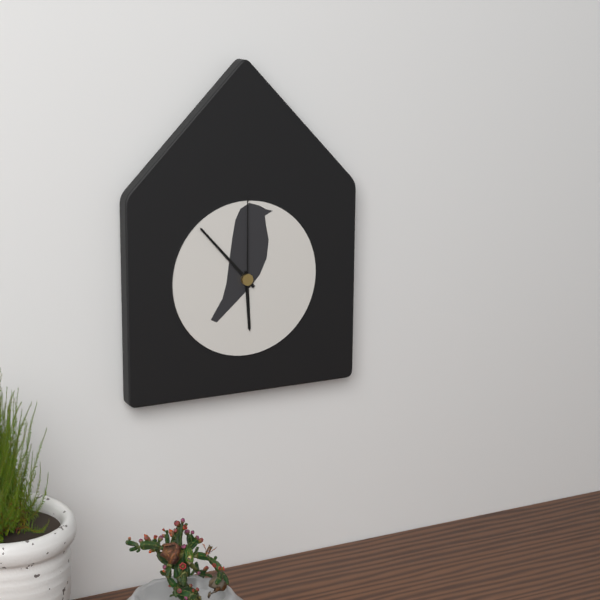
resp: 5,53,00
